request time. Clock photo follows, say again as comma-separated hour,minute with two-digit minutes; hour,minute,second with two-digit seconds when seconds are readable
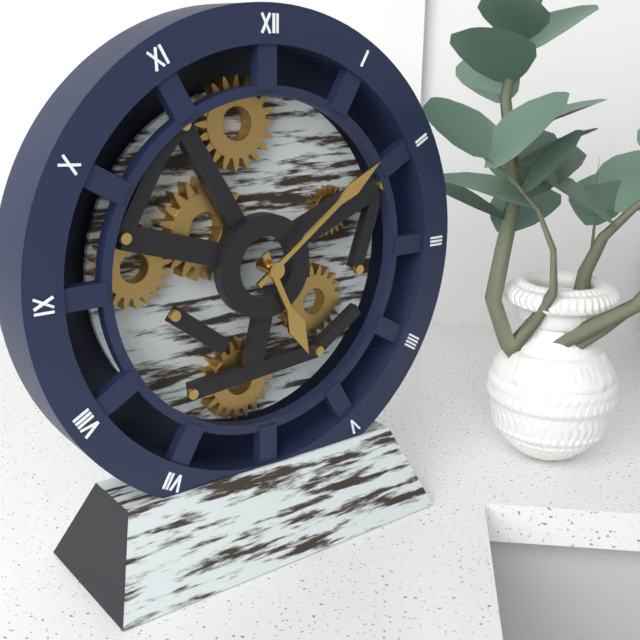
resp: 5,09
